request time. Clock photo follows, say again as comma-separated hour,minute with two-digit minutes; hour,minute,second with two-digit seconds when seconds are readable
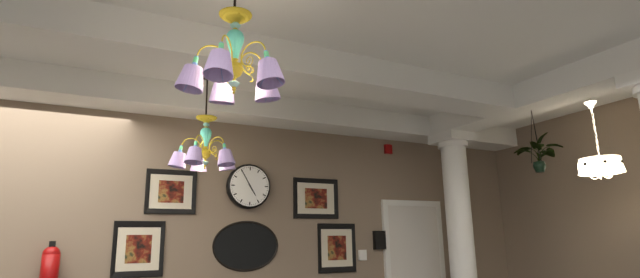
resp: 4,55
